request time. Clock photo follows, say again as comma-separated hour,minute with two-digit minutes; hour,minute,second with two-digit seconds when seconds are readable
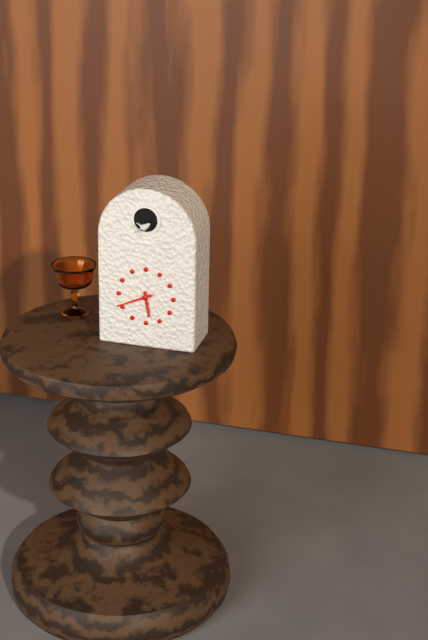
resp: 5,41
